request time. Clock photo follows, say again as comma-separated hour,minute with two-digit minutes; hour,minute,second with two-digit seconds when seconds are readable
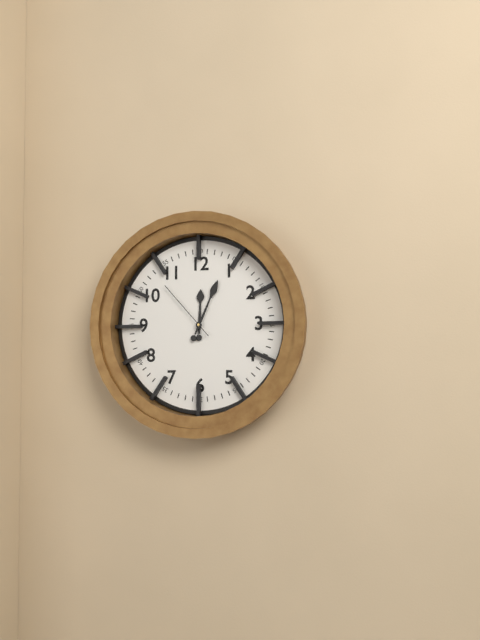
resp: 12,04,53
